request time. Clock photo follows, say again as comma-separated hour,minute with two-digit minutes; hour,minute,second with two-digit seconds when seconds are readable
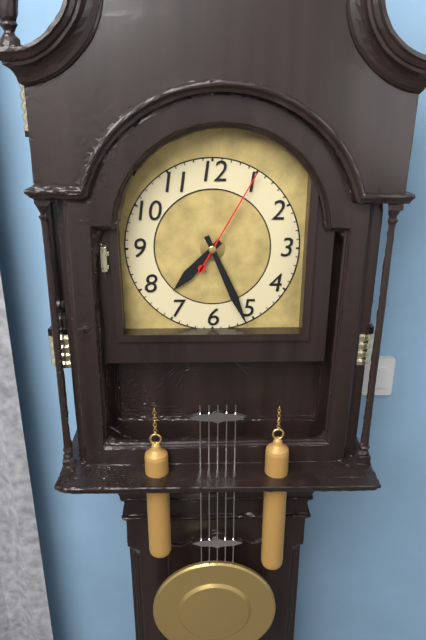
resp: 7,26,05
